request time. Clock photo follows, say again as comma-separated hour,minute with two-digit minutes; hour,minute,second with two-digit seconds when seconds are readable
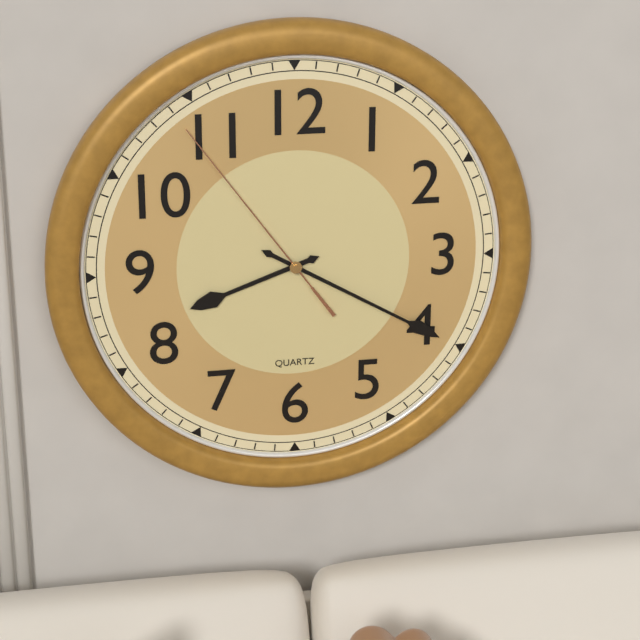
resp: 8,20,54
